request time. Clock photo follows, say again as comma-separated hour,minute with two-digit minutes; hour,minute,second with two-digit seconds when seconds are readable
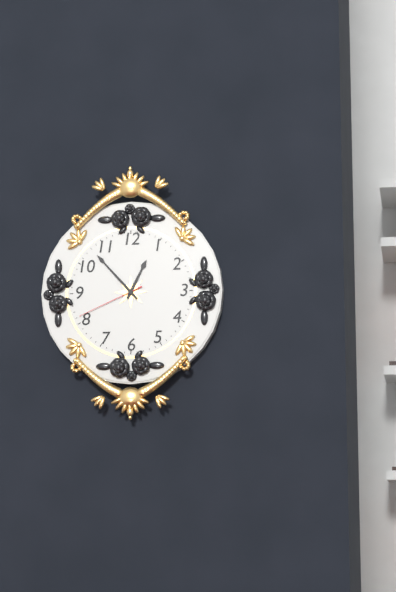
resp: 12,53,41
